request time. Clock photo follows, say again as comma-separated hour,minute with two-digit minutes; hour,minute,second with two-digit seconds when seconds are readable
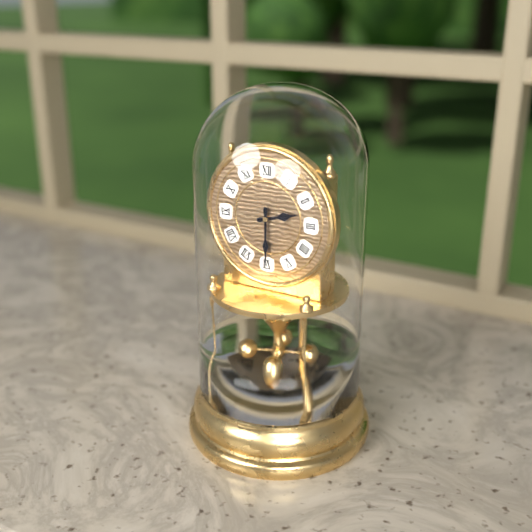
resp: 2,30
